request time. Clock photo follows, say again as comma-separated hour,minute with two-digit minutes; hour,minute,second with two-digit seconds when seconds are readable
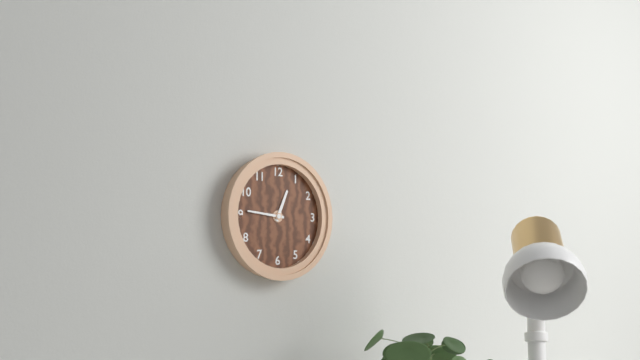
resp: 12,46
